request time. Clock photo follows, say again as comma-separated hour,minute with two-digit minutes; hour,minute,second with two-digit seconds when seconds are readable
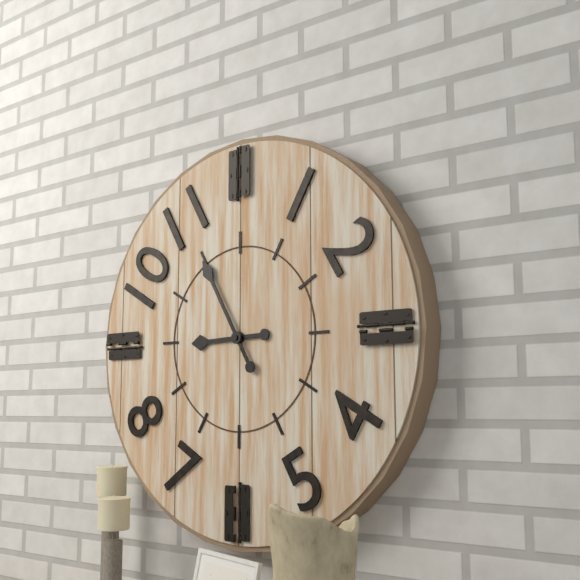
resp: 8,55
